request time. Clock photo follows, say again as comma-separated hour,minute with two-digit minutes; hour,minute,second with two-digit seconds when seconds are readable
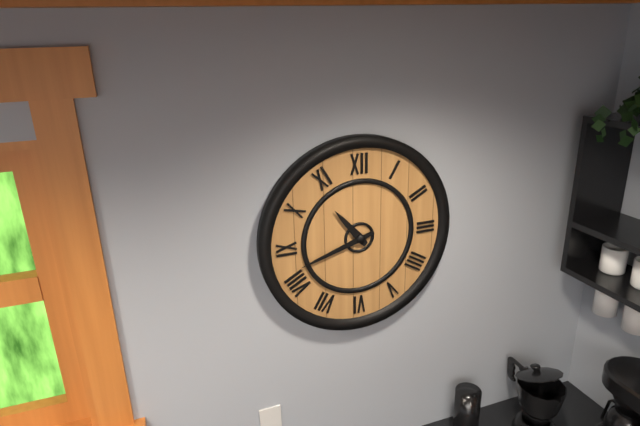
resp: 10,42
